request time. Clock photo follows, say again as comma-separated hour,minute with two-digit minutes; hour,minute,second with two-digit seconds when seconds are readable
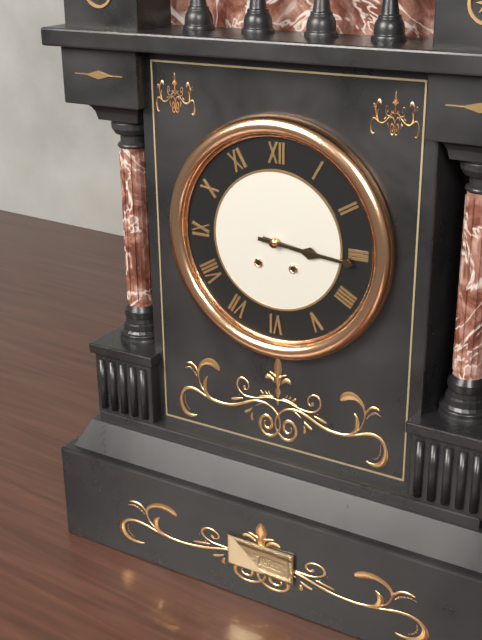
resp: 3,16
